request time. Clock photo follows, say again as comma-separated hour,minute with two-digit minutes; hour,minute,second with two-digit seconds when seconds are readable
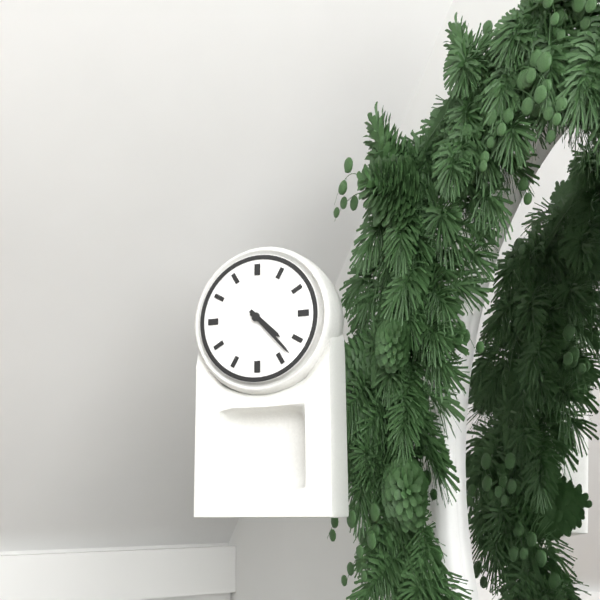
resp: 4,23
